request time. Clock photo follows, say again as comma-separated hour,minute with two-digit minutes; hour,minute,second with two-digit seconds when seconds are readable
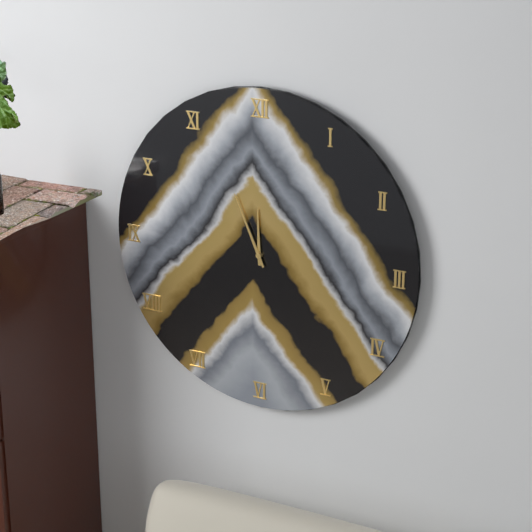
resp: 11,56
